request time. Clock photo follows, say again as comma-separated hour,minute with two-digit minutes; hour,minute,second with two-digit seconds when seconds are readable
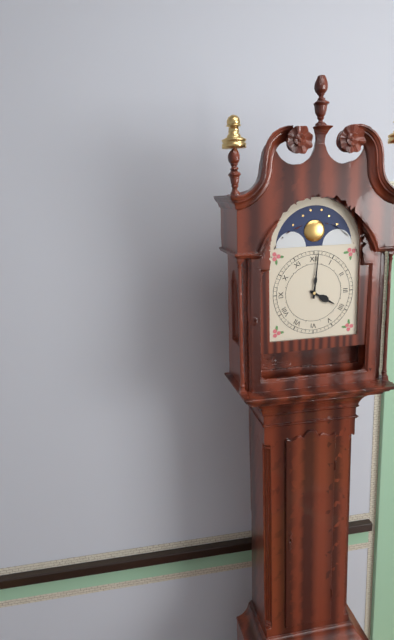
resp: 4,01
